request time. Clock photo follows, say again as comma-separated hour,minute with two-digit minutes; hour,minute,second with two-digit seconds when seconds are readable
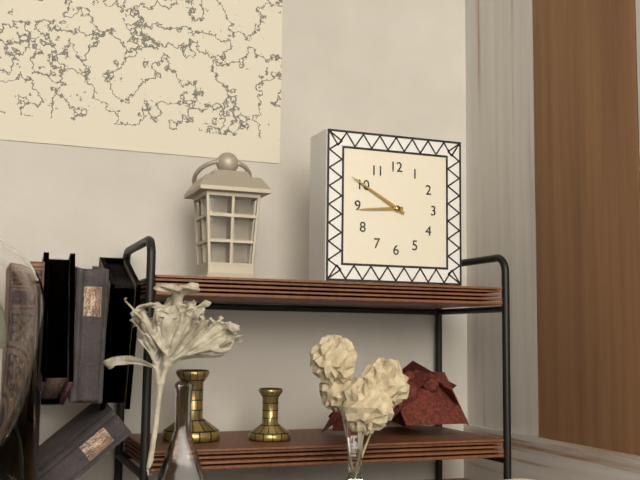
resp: 8,50
